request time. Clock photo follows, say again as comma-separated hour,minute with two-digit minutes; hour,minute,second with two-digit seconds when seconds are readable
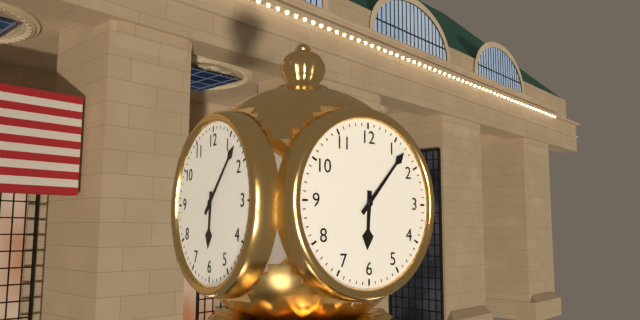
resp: 6,07
